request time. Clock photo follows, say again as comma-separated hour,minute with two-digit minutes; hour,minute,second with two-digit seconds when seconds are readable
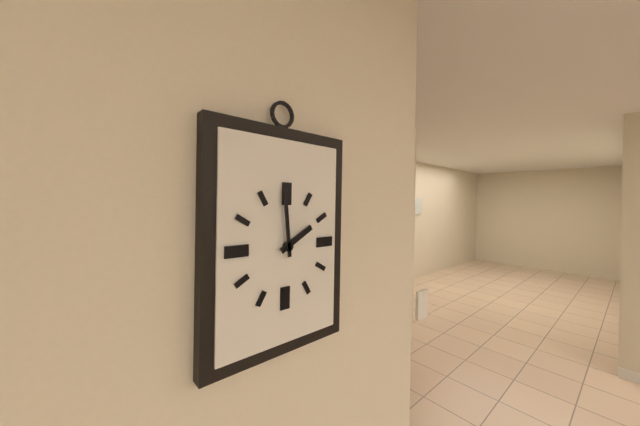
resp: 1,59
